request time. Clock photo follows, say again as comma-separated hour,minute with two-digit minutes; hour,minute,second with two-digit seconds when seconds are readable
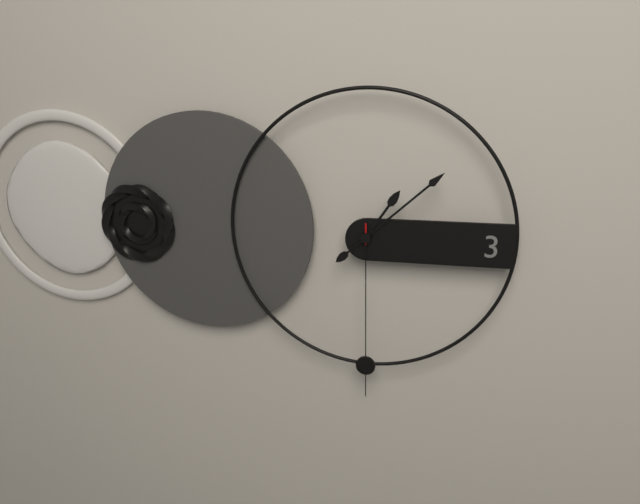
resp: 1,08,30
